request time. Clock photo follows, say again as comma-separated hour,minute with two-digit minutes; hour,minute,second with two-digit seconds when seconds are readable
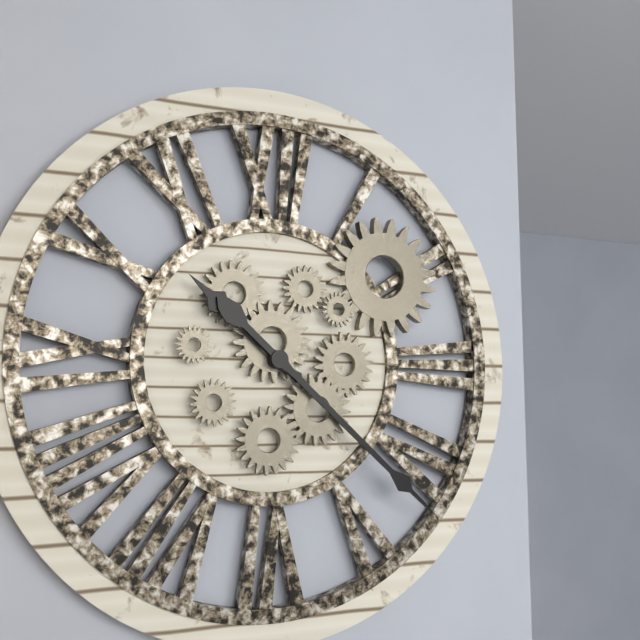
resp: 10,22
